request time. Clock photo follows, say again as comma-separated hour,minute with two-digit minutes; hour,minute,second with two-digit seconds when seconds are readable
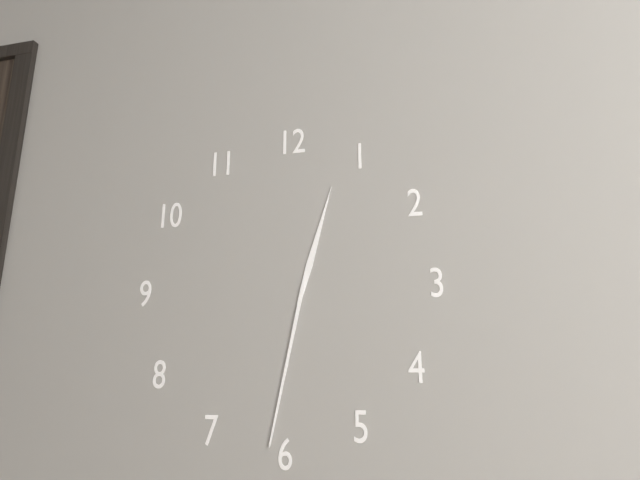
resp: 12,32
